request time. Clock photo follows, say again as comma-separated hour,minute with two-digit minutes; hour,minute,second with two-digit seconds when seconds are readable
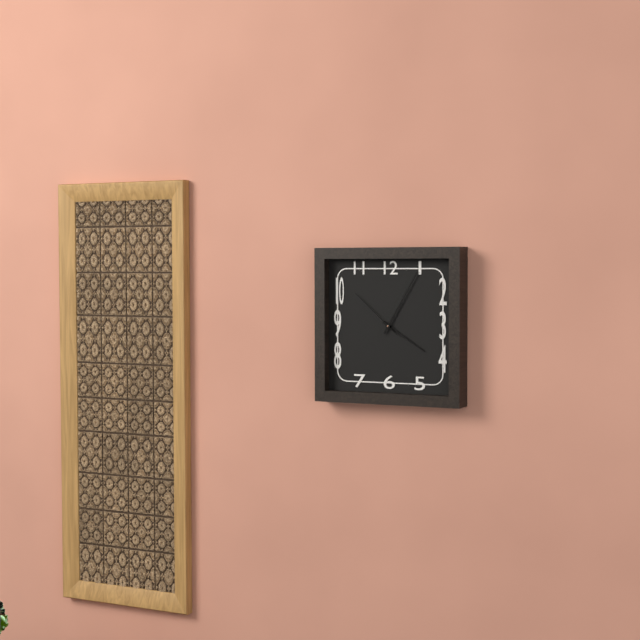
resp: 4,05,52
